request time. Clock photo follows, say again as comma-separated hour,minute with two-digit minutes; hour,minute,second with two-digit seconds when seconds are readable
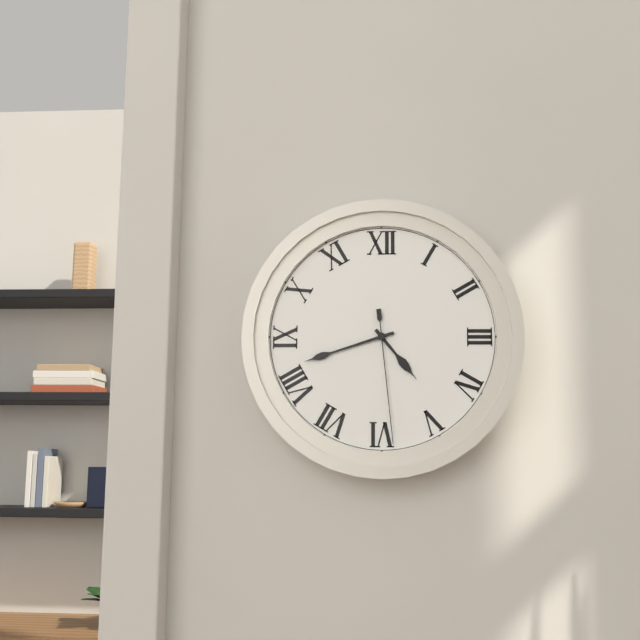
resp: 4,42,29
